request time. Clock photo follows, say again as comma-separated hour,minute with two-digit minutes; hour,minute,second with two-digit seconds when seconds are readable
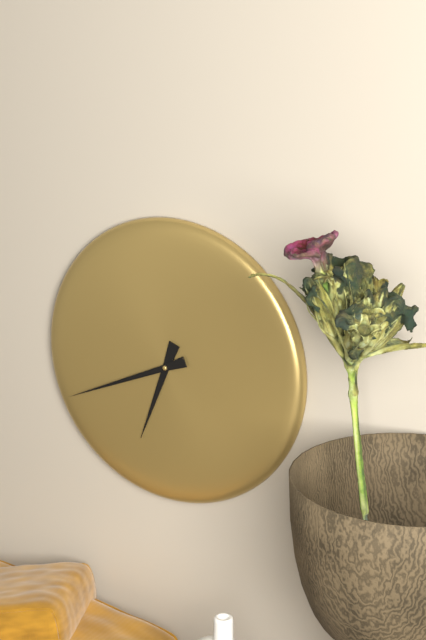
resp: 6,41
